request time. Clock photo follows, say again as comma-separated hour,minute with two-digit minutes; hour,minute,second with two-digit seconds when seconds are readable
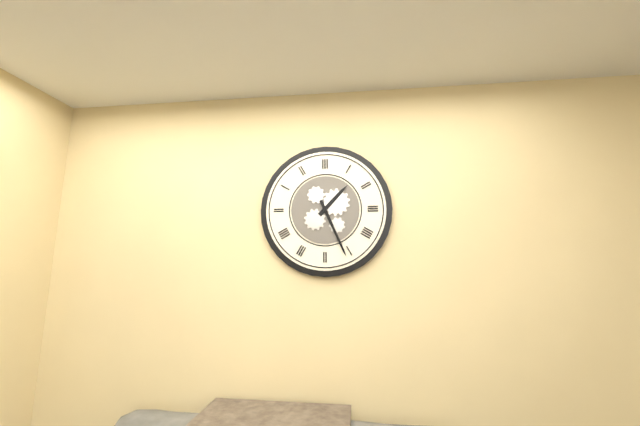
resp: 1,26
